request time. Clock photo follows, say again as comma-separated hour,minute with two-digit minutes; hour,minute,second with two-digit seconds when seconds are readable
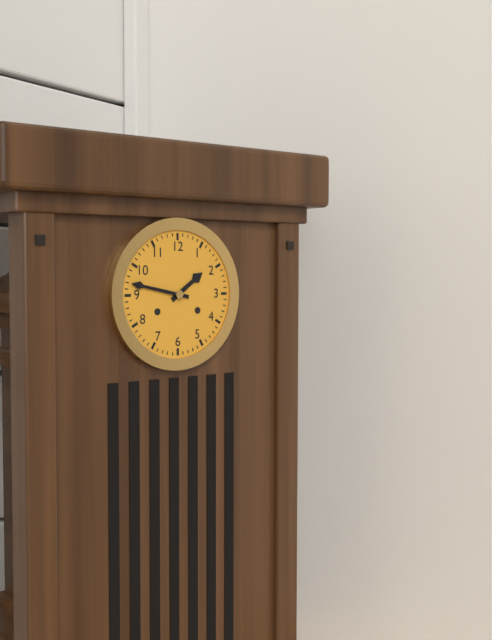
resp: 1,47
